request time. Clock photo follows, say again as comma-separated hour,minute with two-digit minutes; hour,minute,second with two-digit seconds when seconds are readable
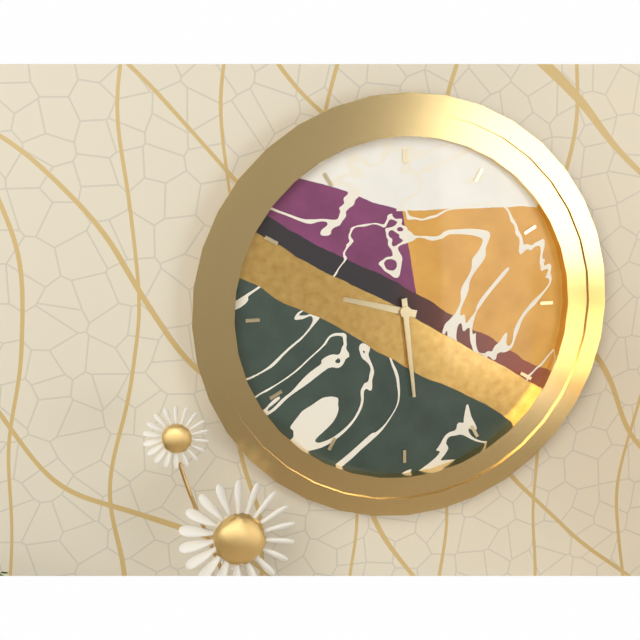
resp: 9,29
